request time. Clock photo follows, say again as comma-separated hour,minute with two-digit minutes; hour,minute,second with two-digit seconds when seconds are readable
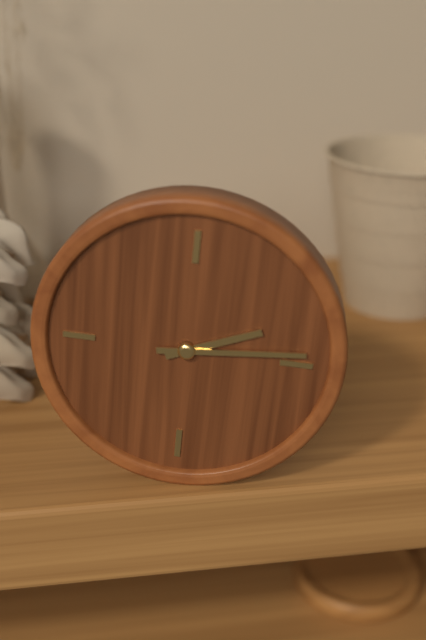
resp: 2,14
